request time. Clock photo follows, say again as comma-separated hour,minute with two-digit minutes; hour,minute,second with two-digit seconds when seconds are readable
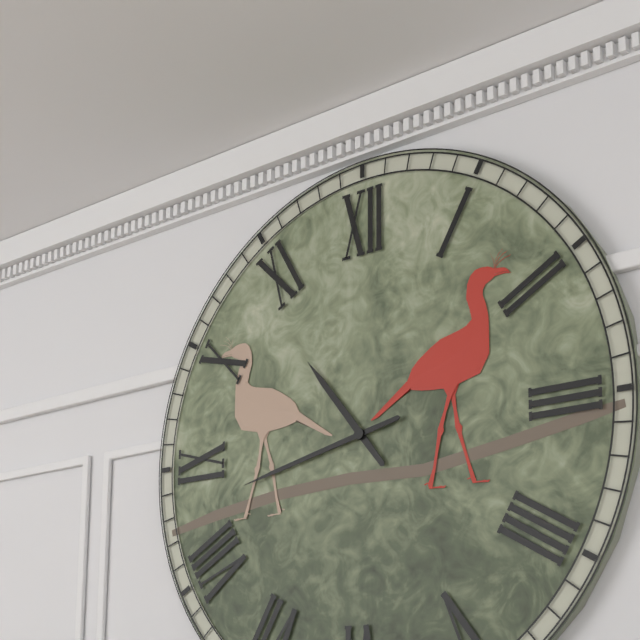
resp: 10,43
